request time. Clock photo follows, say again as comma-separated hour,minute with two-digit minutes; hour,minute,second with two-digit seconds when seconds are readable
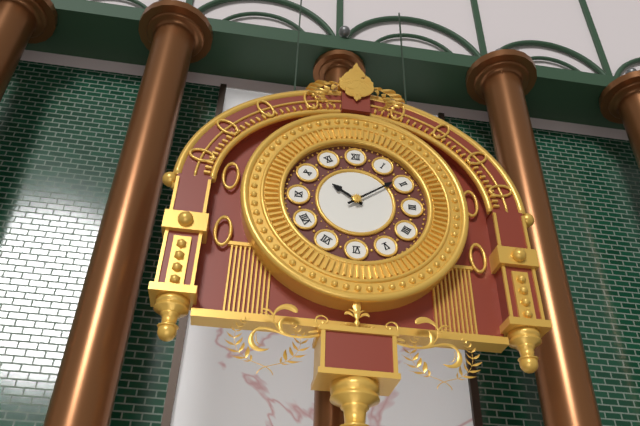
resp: 10,09
